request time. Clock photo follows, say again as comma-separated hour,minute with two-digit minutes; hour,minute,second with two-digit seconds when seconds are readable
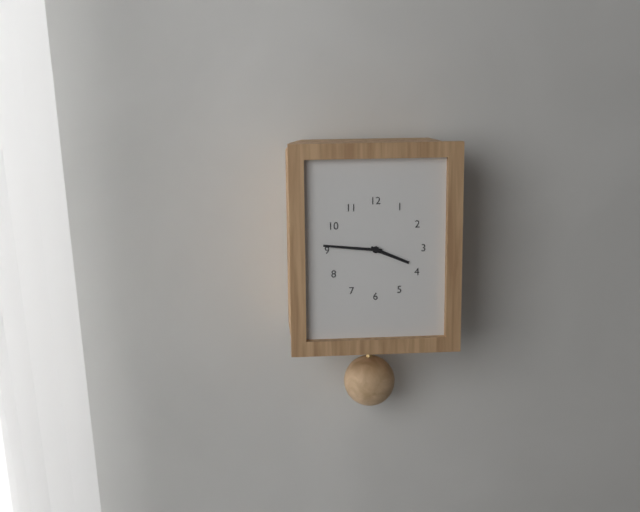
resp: 3,46
